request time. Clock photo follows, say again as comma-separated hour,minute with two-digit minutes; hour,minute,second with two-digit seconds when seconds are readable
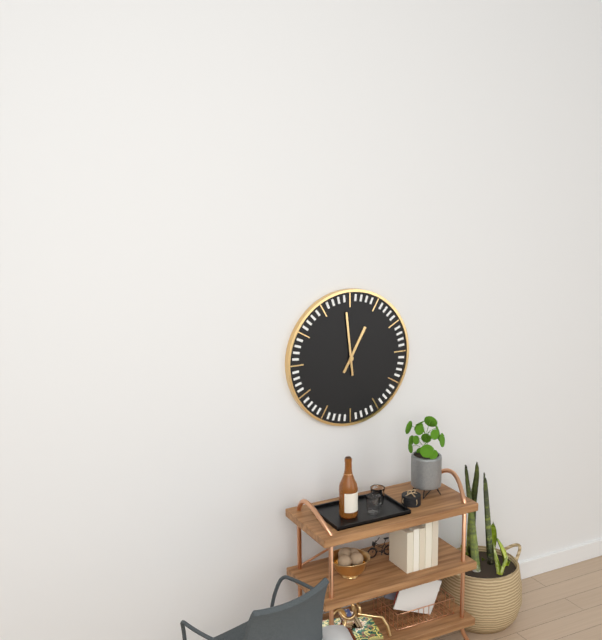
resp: 12,59
